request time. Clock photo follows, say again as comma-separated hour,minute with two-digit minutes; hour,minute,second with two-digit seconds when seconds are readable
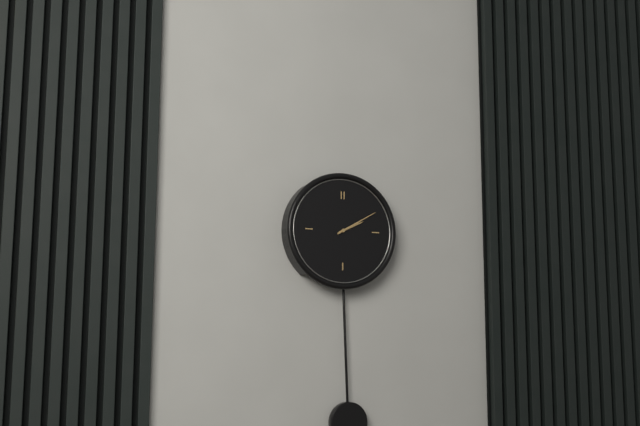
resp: 2,10
